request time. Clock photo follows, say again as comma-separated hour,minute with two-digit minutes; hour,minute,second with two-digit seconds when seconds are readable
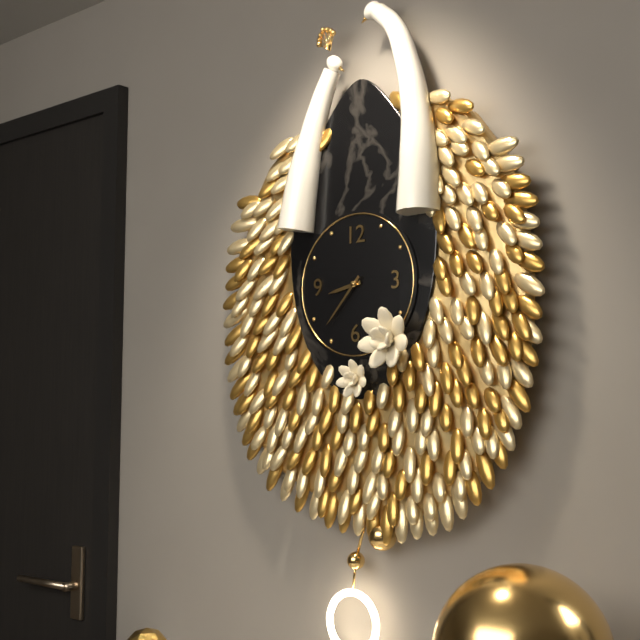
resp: 8,37
